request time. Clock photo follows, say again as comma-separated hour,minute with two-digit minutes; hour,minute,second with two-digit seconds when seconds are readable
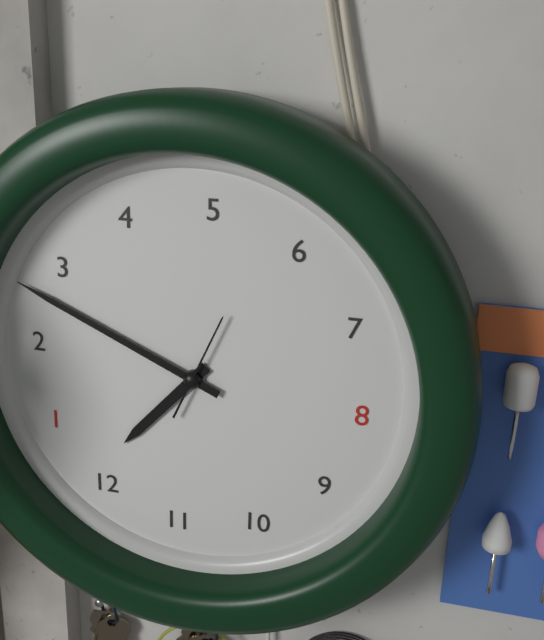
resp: 12,13,28
